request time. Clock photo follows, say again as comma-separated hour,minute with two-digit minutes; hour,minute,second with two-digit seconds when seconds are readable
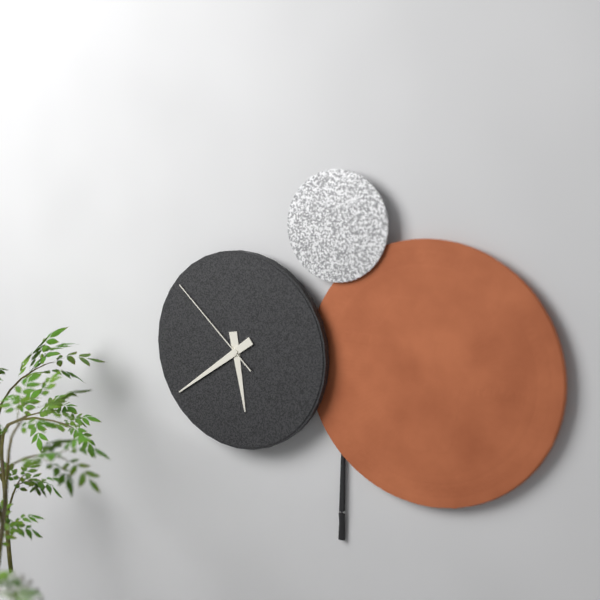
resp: 5,39,52
